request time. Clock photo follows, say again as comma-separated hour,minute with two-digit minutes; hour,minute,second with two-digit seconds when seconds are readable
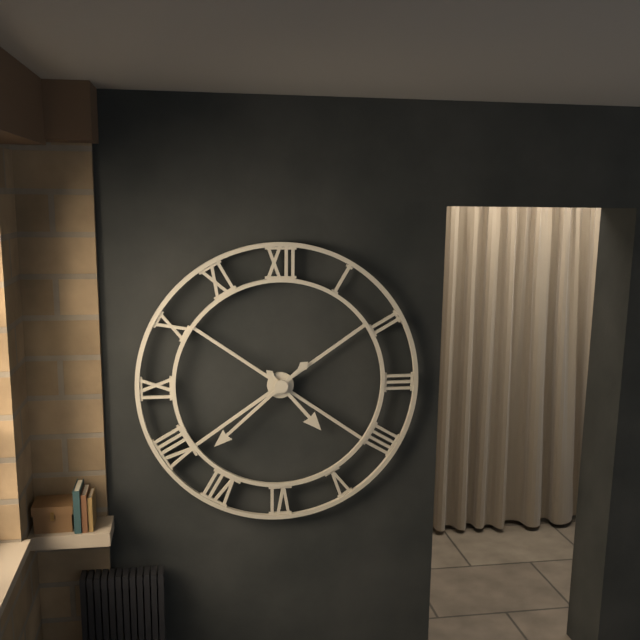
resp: 4,38
